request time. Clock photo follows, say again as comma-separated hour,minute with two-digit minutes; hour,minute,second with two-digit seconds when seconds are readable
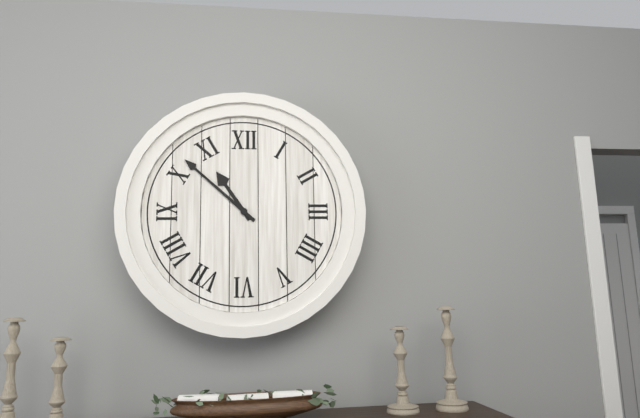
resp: 10,52
